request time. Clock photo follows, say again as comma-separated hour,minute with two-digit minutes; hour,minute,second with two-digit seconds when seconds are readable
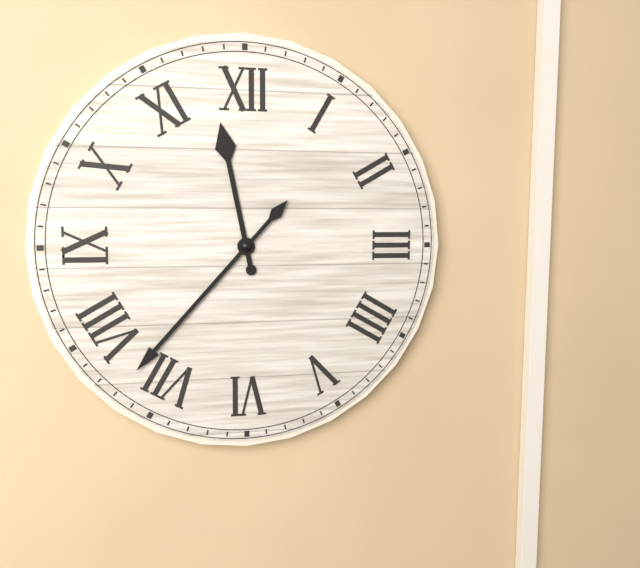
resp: 11,37
